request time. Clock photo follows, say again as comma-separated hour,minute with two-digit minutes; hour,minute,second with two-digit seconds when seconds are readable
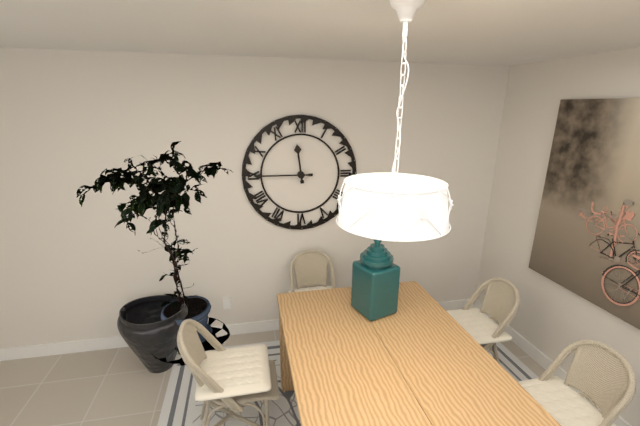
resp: 11,45
